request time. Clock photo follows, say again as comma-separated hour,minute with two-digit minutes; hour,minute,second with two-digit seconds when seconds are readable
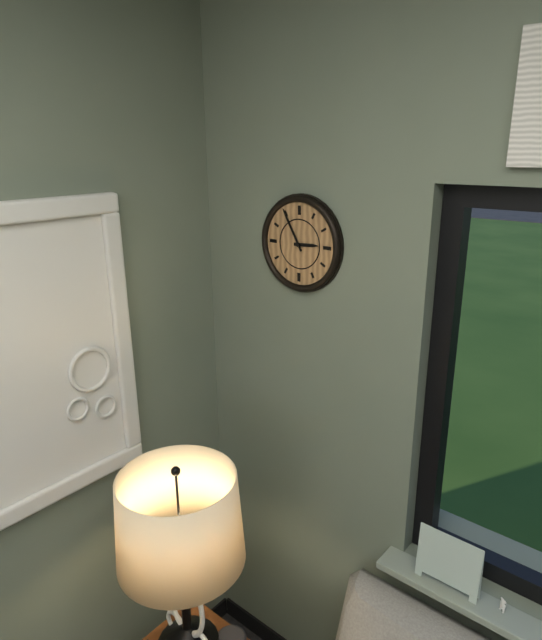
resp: 2,55
